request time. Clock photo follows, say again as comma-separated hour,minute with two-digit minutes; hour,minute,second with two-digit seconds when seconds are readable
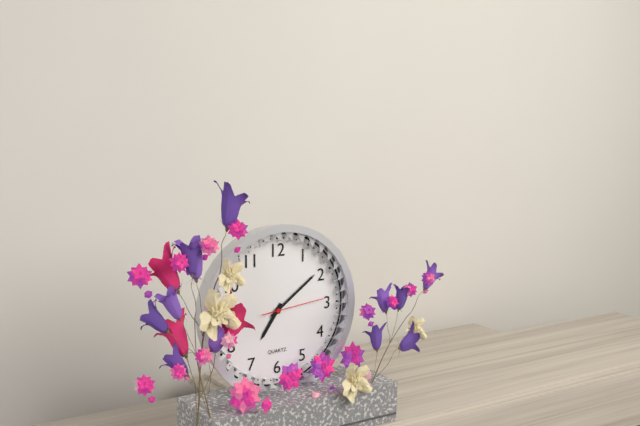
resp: 7,09,14
